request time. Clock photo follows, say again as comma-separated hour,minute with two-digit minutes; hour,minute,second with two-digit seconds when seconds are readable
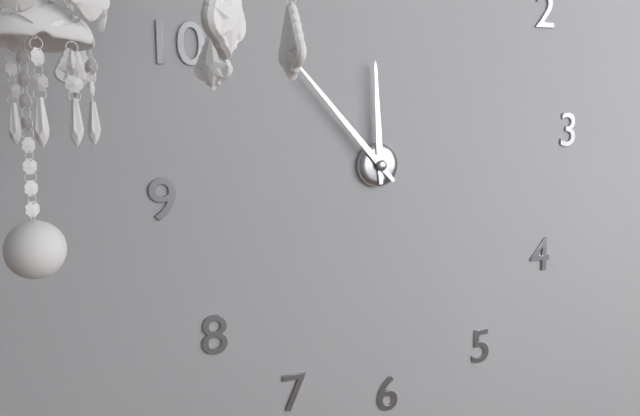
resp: 11,53
